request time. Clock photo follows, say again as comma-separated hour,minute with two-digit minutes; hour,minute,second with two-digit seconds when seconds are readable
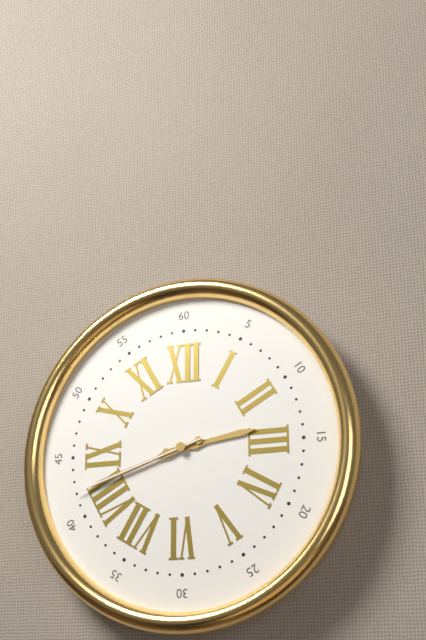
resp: 2,42,42
